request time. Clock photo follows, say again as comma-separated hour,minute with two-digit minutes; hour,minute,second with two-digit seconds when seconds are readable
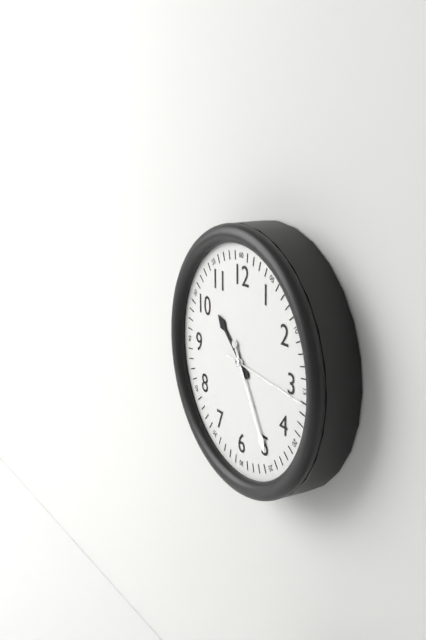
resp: 10,25,16
